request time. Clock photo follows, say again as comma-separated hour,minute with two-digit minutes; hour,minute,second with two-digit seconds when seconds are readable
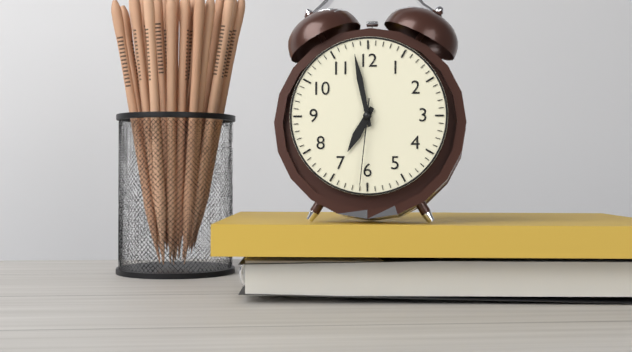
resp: 6,58,31
